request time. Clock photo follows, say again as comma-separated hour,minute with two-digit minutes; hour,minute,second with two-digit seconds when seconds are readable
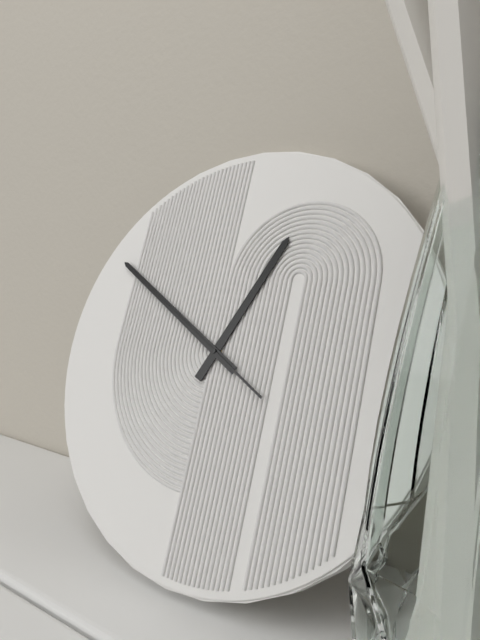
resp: 12,50,50
